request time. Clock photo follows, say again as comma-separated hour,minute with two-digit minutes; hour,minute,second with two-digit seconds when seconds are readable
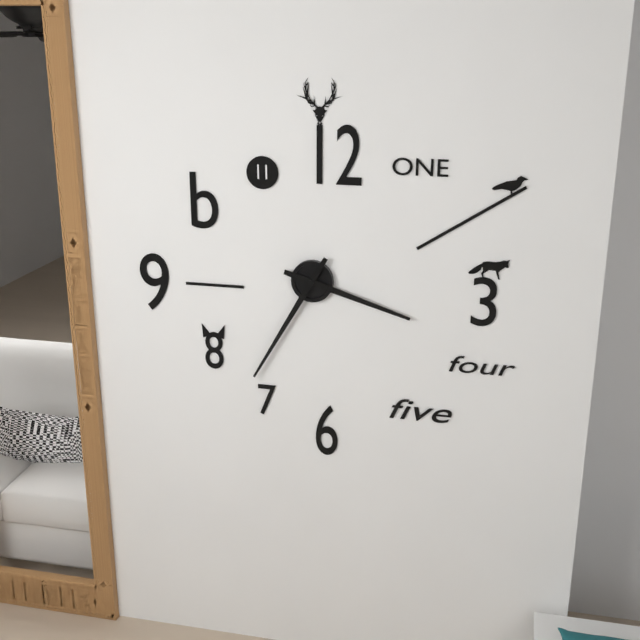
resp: 3,35
